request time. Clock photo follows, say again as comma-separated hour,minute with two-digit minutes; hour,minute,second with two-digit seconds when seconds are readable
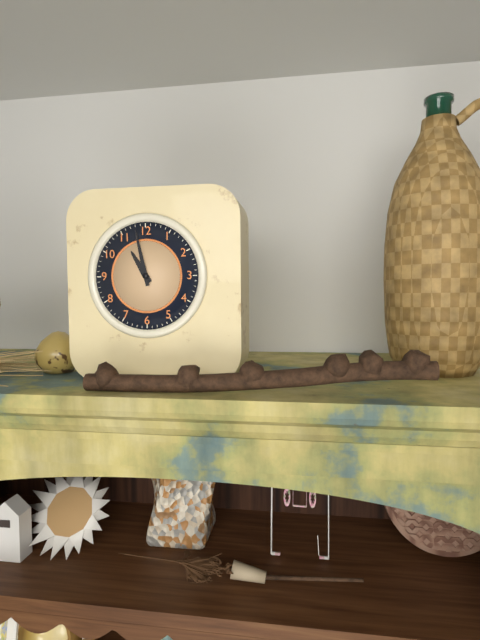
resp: 10,58
